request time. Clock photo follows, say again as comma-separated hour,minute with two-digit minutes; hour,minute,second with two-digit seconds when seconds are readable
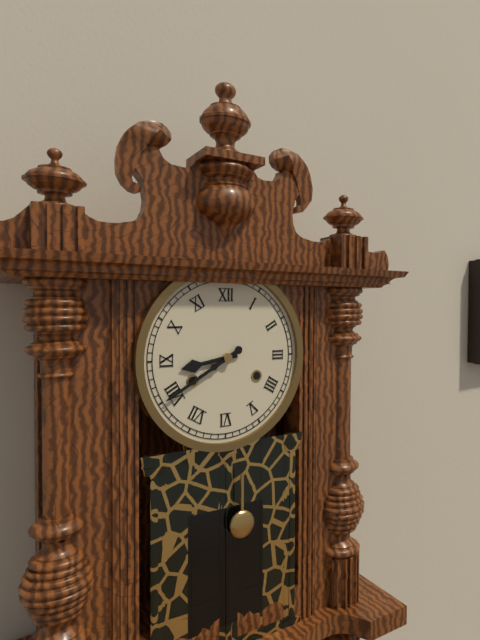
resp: 8,40
